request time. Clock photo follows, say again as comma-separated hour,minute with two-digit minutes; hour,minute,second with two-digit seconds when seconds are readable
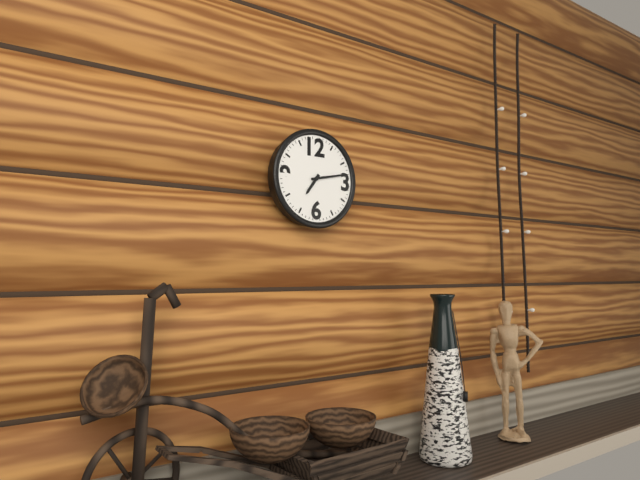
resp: 7,13
